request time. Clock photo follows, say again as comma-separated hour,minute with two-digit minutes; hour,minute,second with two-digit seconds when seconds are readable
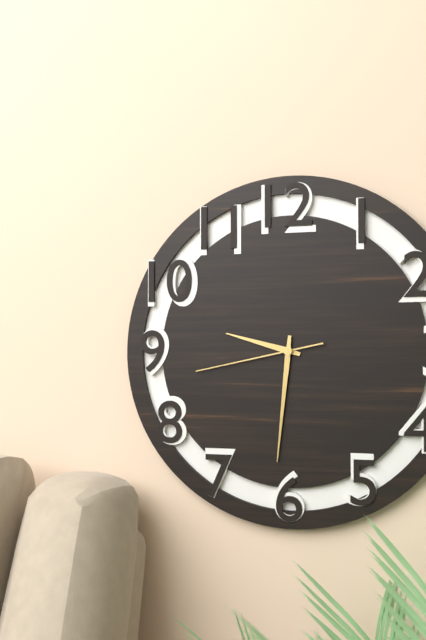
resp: 9,31,43
